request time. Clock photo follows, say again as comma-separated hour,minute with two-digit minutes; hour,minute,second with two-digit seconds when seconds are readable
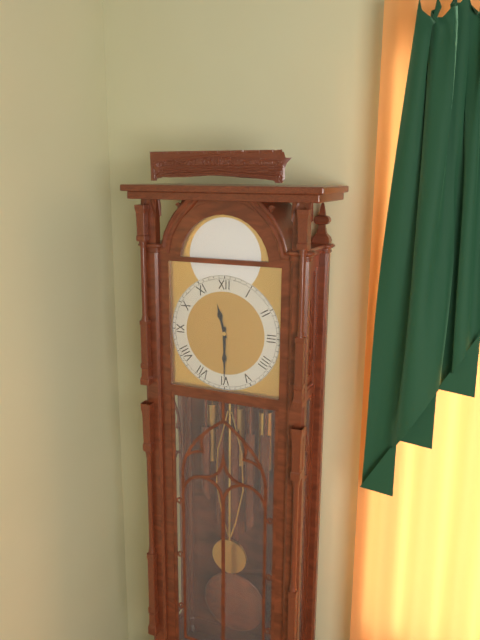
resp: 11,30
